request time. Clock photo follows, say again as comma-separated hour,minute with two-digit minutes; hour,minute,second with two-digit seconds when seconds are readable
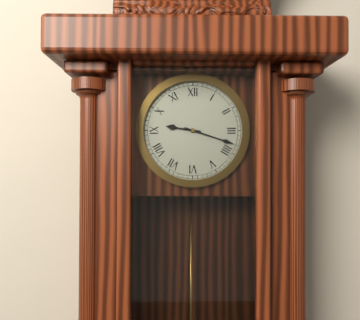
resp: 9,18
